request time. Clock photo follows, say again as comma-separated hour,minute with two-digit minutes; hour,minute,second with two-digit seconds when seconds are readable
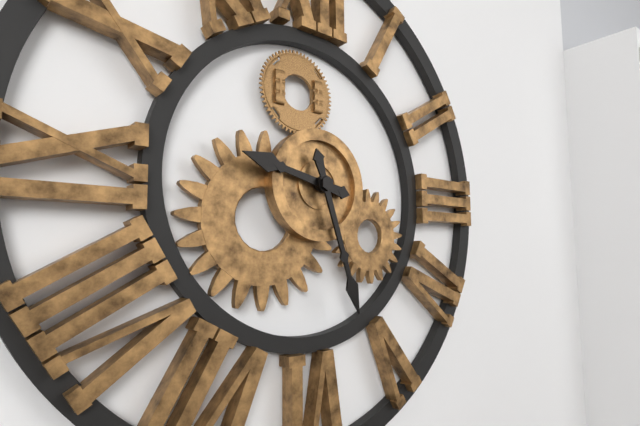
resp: 9,27
